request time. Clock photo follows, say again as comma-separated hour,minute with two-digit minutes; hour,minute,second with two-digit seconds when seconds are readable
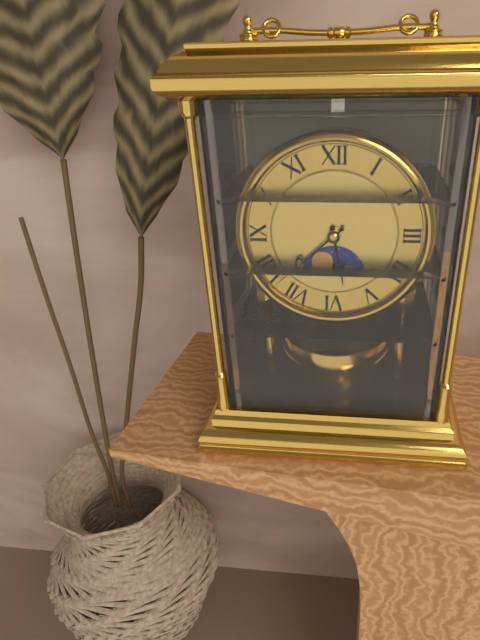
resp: 5,38
